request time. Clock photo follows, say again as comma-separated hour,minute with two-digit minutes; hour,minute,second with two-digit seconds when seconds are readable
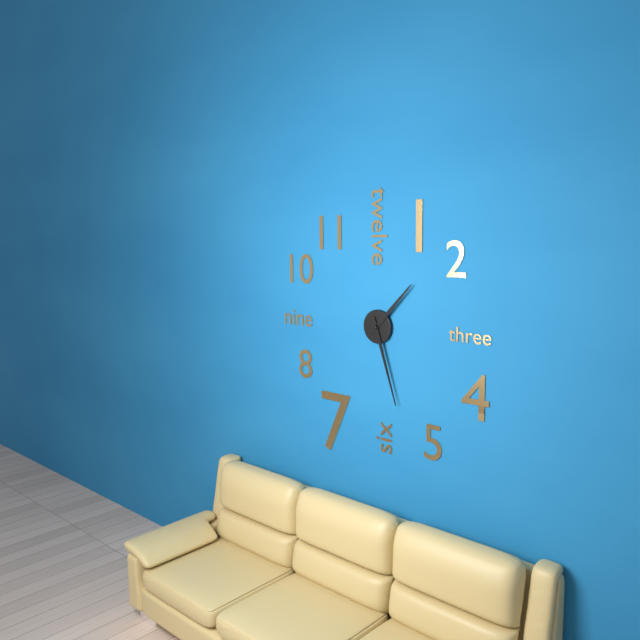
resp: 1,27
